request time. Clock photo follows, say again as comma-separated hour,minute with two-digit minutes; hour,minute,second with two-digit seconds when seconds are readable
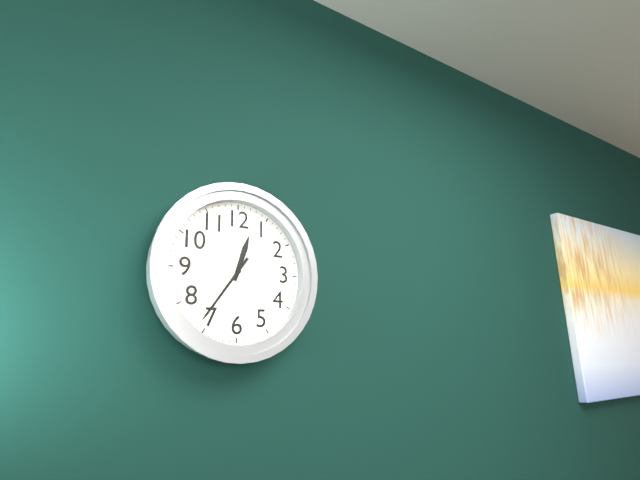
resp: 12,36
